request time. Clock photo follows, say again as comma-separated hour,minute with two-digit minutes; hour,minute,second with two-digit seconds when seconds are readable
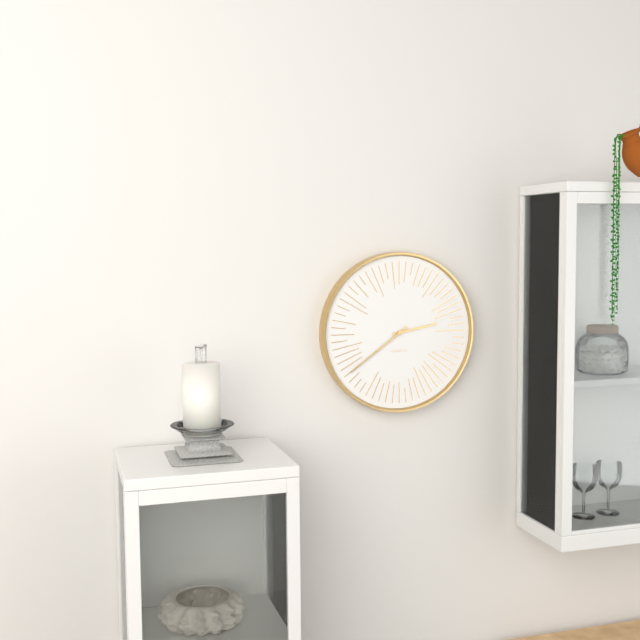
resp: 2,39
